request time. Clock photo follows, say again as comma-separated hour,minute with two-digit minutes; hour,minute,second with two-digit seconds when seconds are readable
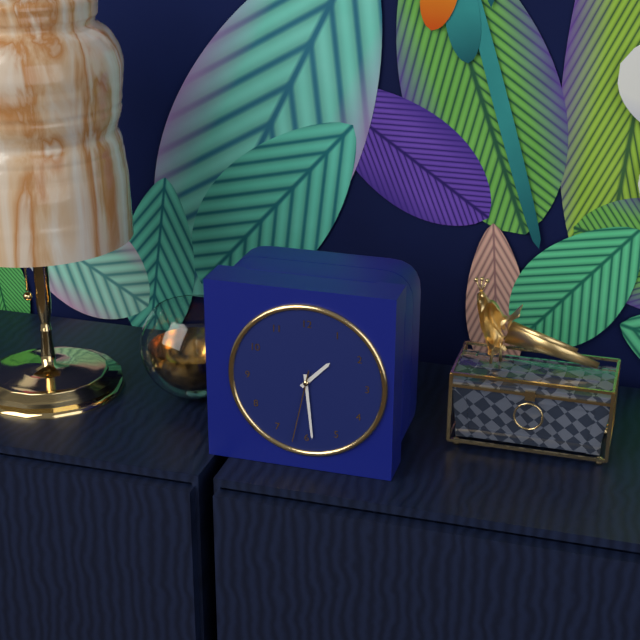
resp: 1,29,32
